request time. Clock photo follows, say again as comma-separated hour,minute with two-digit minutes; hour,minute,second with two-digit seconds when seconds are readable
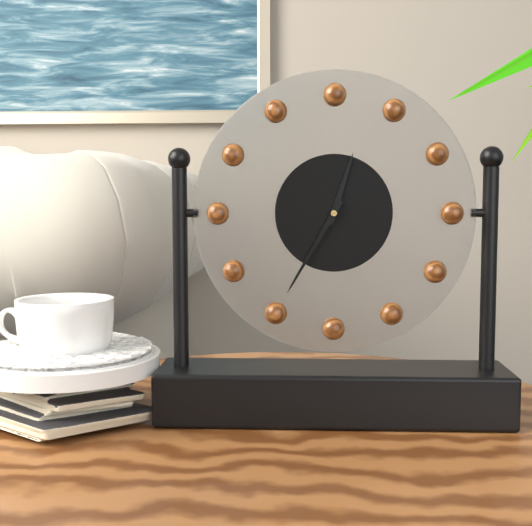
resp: 12,35
